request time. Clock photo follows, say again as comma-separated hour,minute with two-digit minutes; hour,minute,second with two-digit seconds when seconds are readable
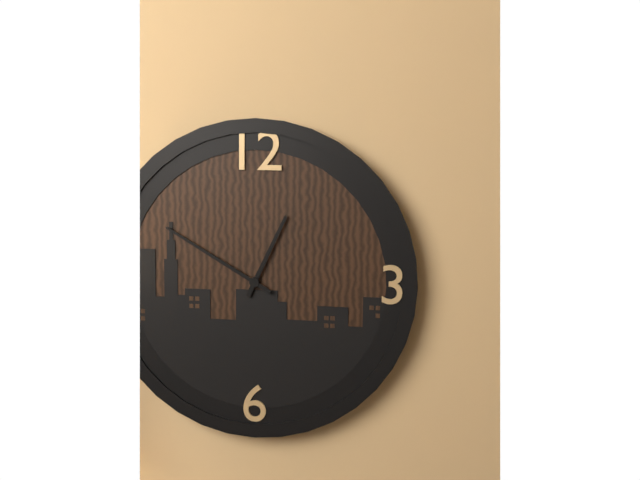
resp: 12,50
